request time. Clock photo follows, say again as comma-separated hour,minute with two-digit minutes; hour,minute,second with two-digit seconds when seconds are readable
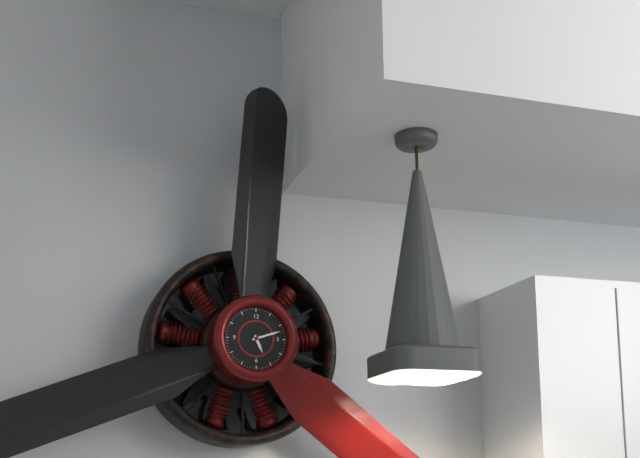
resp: 5,12
